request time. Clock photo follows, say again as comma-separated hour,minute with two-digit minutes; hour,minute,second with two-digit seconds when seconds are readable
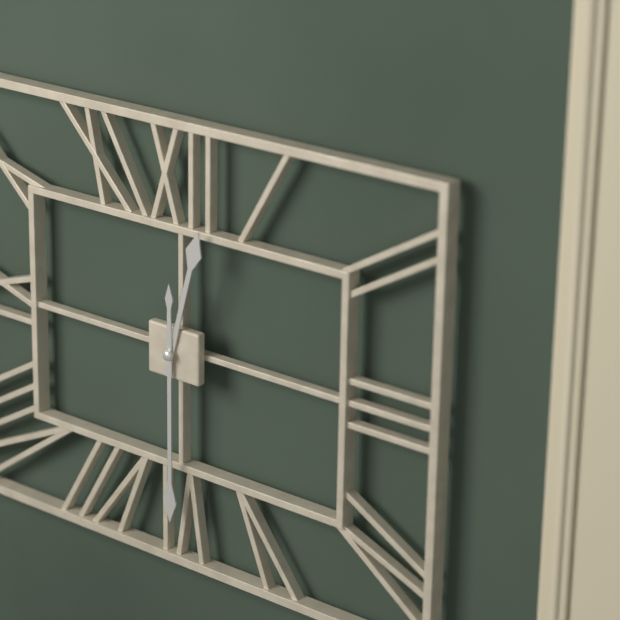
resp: 12,30
